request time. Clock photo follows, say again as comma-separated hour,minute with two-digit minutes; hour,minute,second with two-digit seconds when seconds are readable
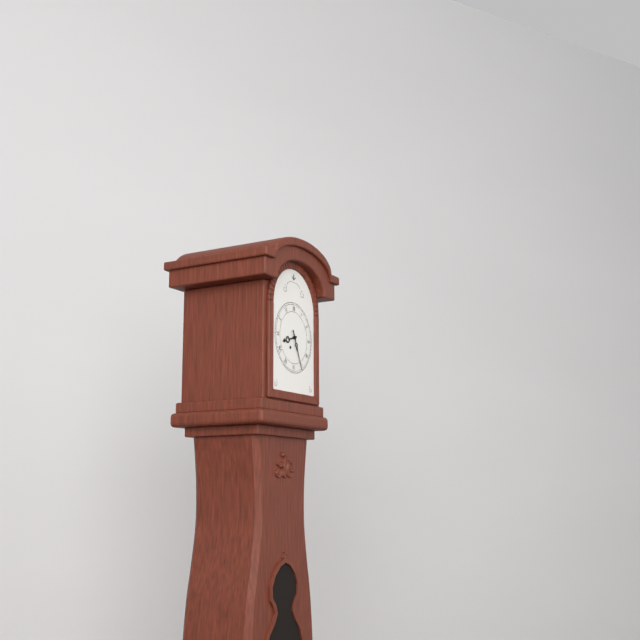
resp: 8,26
